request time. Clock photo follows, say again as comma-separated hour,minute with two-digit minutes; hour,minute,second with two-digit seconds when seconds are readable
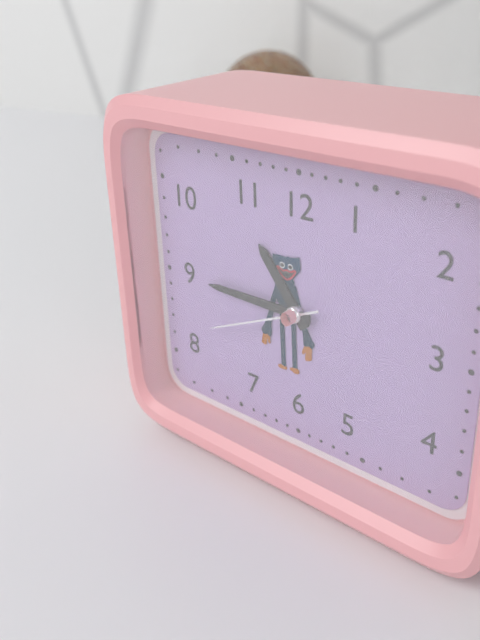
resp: 10,45,41
